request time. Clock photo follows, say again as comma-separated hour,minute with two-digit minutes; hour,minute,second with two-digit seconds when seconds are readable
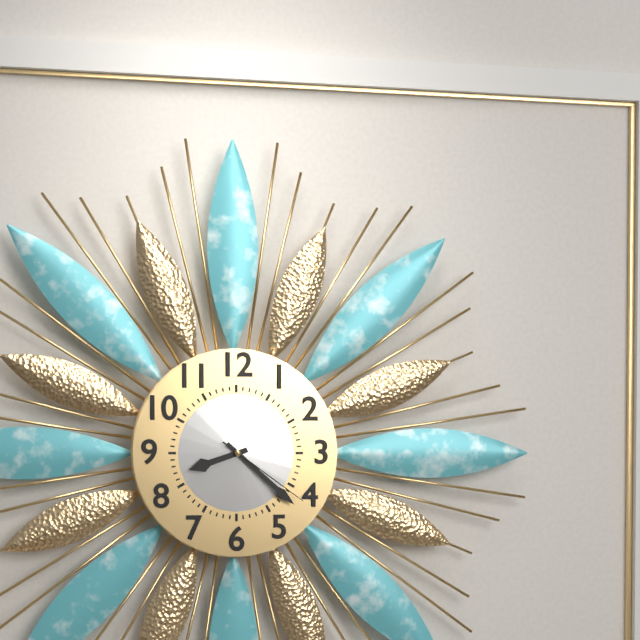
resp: 8,22,21
